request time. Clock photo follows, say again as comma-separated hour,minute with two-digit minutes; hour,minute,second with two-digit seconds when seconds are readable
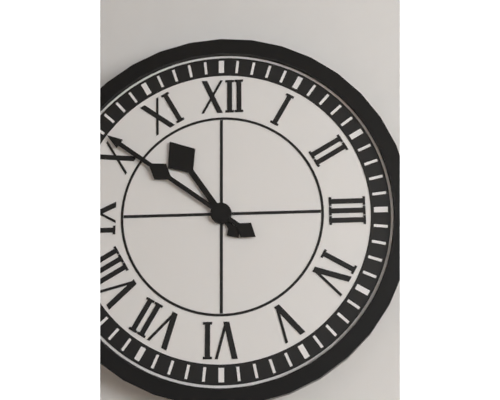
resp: 10,51
